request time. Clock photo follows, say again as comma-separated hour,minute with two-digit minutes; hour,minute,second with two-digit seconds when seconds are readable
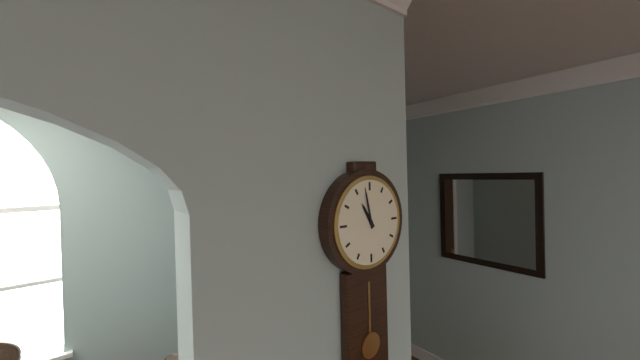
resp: 10,58
